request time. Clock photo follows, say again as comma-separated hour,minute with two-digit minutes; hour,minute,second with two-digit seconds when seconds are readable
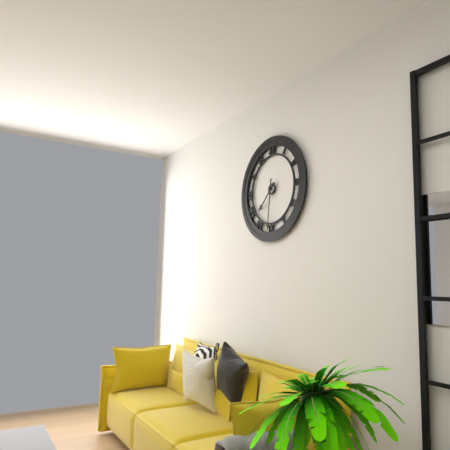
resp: 7,31
